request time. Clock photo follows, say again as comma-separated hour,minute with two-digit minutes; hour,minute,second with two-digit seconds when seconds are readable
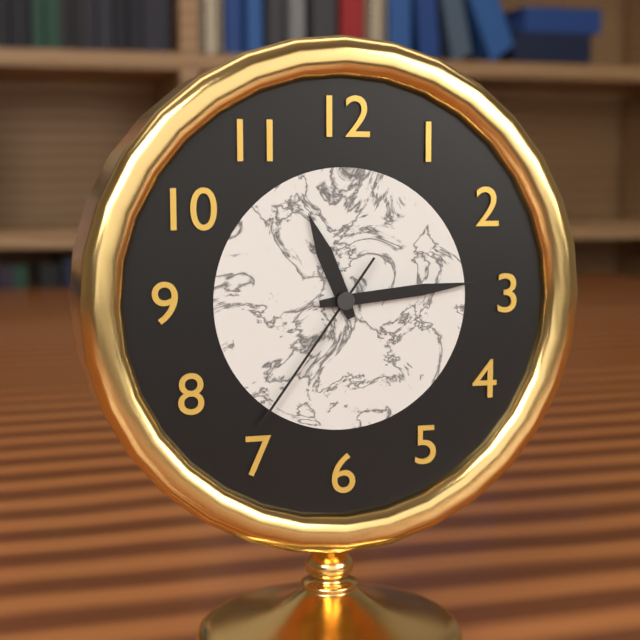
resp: 11,14,36
